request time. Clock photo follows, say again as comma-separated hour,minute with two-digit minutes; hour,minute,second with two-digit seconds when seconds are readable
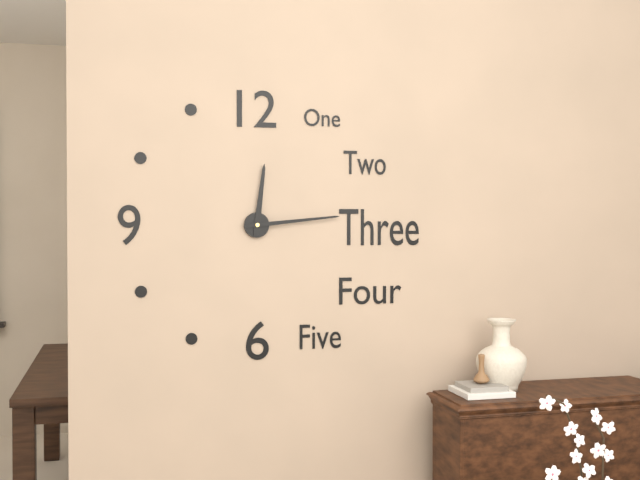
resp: 12,14
